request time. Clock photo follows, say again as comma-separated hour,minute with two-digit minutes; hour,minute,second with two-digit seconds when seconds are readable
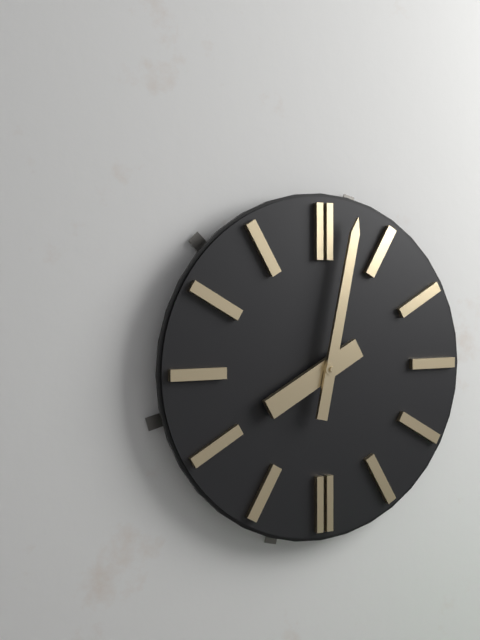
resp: 8,02
